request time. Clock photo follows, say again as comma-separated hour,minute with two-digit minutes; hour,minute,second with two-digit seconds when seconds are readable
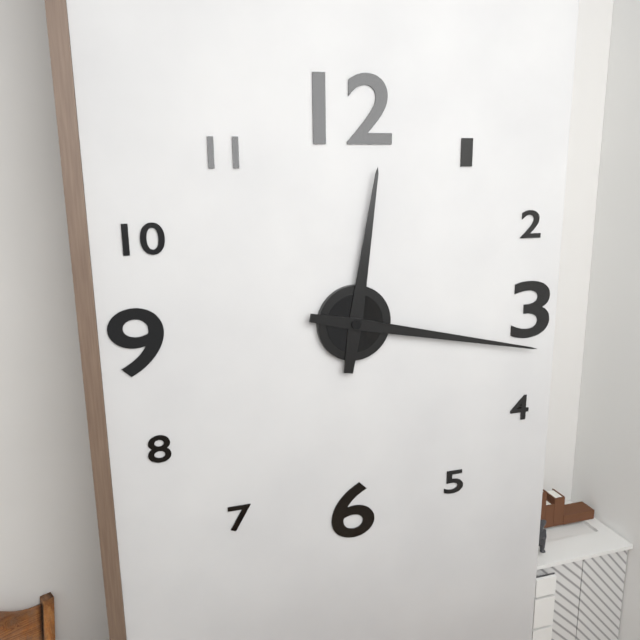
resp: 12,17
